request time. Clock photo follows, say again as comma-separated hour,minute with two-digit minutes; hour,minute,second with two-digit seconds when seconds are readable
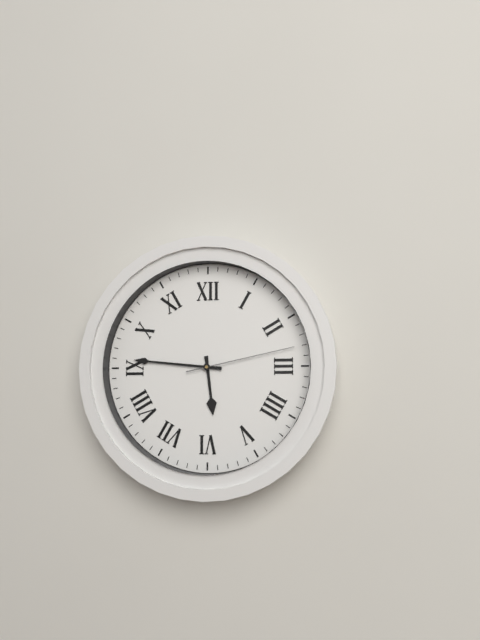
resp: 5,46,13
